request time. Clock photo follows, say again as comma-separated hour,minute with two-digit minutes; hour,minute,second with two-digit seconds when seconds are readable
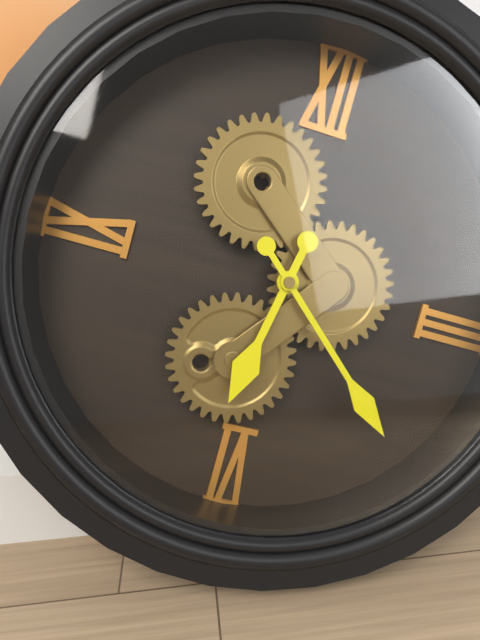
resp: 6,22
